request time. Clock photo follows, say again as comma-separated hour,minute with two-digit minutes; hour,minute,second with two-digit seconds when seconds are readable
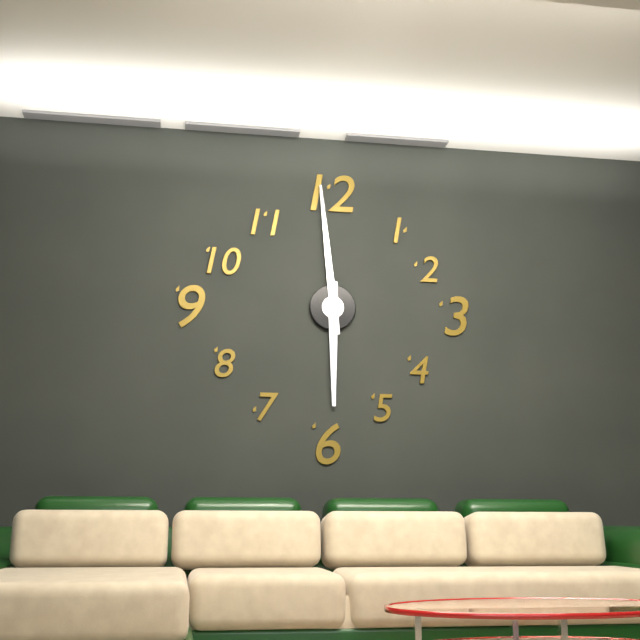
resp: 5,59
